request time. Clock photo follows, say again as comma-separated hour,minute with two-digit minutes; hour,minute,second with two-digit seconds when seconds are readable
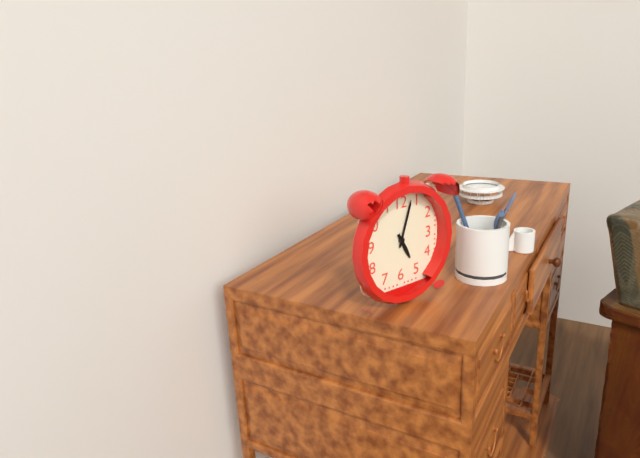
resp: 5,03
